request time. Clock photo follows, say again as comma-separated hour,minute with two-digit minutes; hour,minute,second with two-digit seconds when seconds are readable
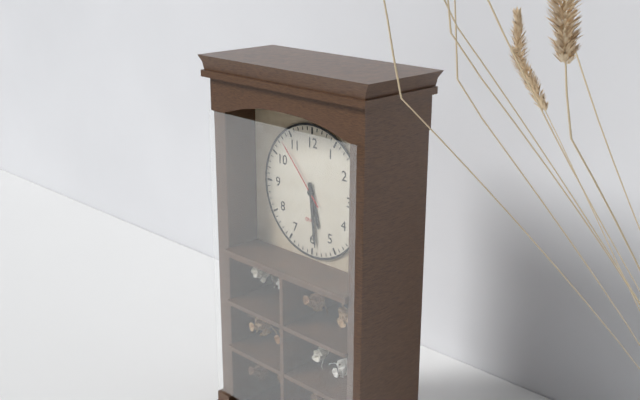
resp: 5,29,53
